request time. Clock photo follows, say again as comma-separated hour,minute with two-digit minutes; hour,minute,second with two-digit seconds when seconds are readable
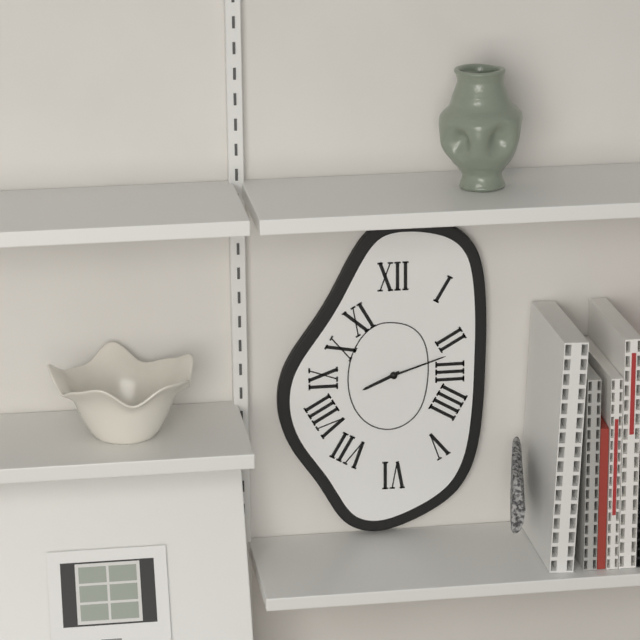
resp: 8,12
